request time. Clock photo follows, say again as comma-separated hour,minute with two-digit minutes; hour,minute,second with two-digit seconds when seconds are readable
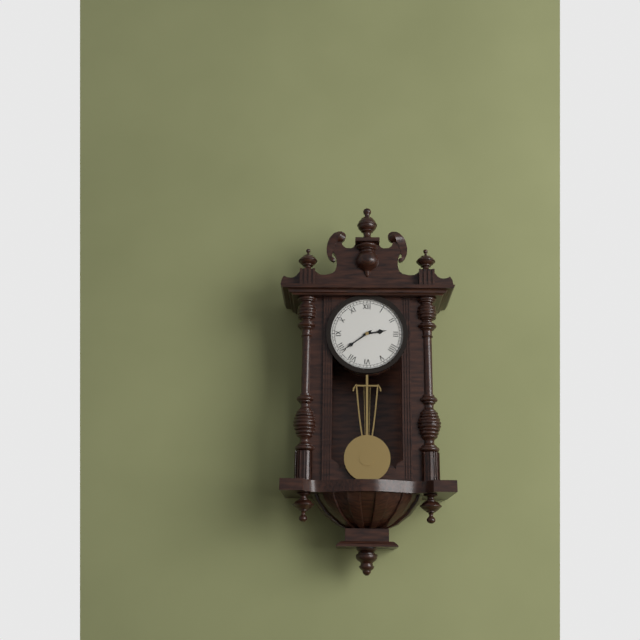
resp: 2,39
